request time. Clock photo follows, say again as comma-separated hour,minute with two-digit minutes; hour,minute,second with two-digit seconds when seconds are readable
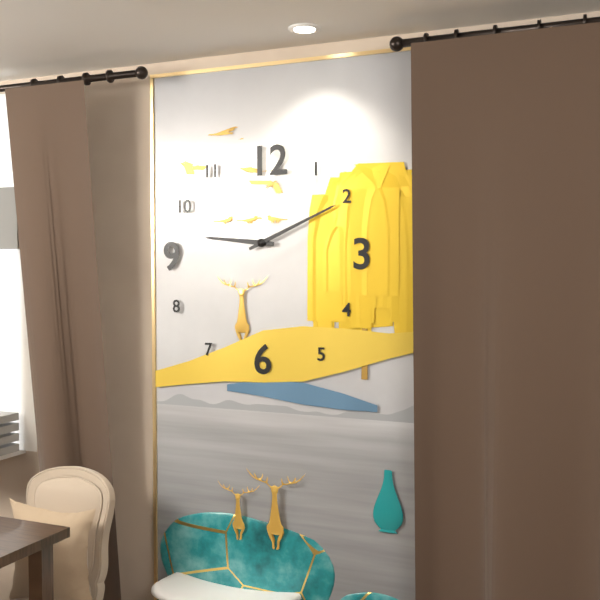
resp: 9,11
